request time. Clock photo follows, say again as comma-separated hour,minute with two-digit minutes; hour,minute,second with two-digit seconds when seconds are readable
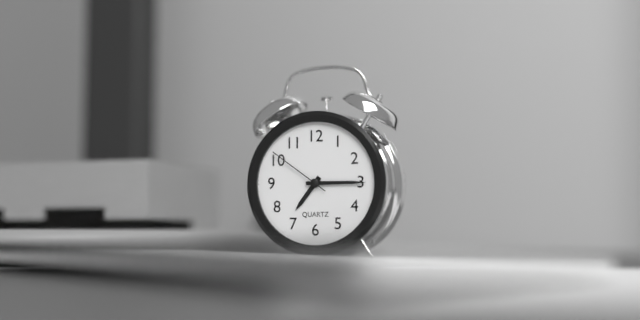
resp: 7,15,51
